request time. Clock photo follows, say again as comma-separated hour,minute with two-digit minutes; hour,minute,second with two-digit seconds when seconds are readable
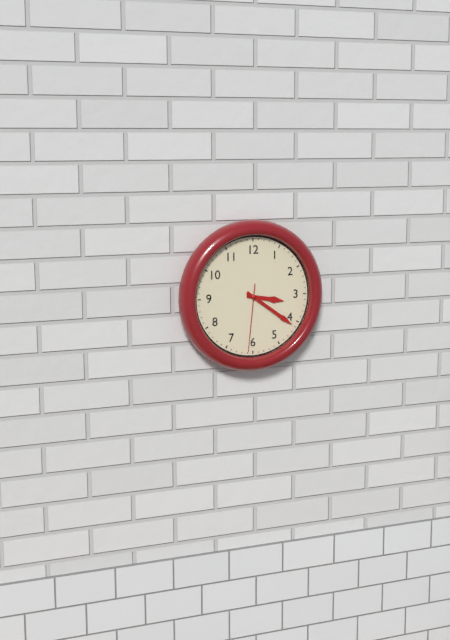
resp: 3,21,31
